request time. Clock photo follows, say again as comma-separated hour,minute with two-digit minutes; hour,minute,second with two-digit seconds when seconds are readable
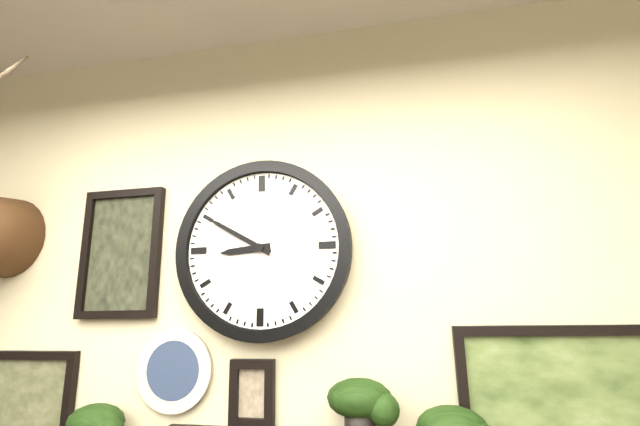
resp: 8,50
